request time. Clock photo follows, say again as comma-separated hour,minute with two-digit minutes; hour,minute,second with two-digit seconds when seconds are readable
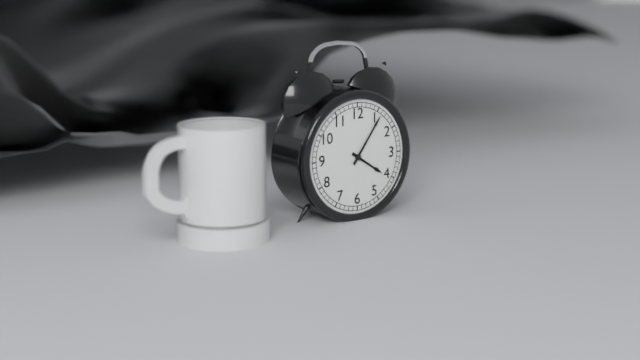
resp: 4,06
